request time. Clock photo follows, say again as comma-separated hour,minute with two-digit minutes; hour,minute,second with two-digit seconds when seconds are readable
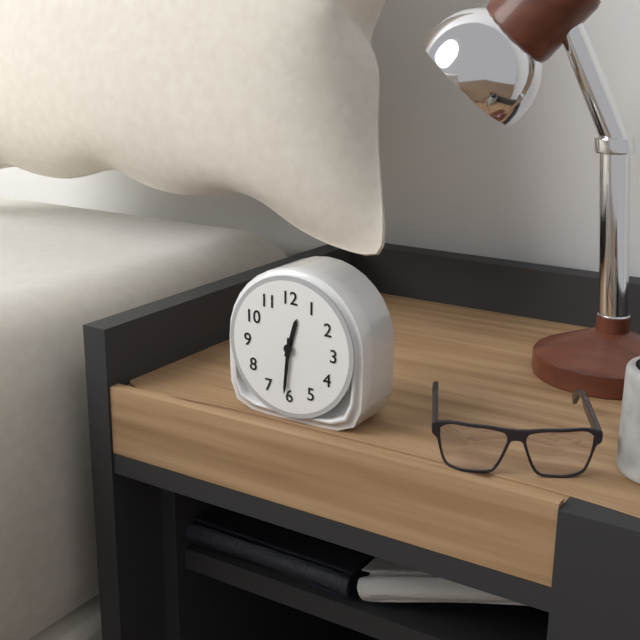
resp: 12,31
